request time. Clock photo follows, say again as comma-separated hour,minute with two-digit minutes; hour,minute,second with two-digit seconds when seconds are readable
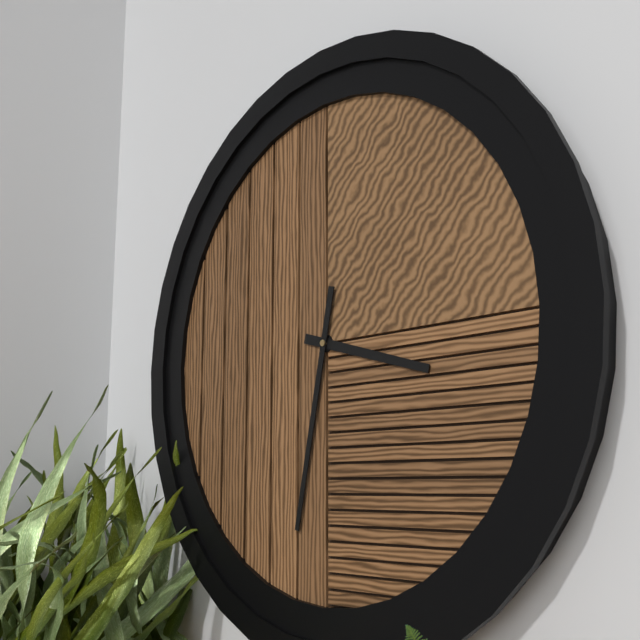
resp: 3,32
